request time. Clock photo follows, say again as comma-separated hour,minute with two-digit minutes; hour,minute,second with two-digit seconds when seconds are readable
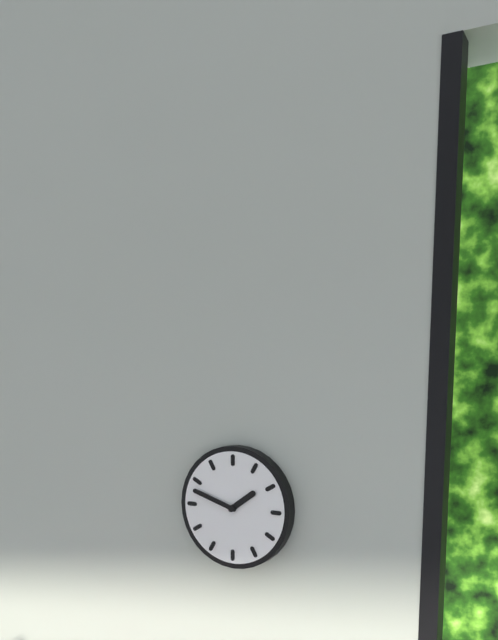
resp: 1,48
